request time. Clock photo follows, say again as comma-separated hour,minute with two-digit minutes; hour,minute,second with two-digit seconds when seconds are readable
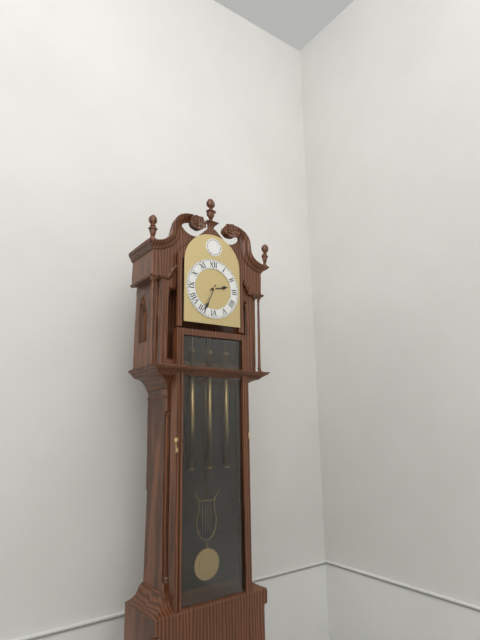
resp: 2,34
